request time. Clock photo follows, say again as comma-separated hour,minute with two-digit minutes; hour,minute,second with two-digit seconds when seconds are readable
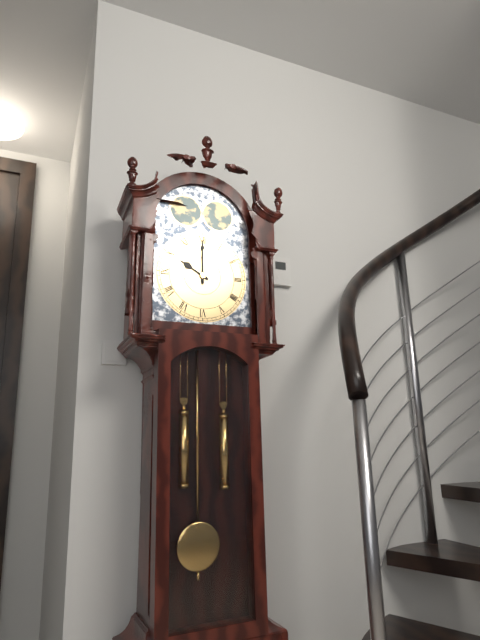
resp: 10,00
